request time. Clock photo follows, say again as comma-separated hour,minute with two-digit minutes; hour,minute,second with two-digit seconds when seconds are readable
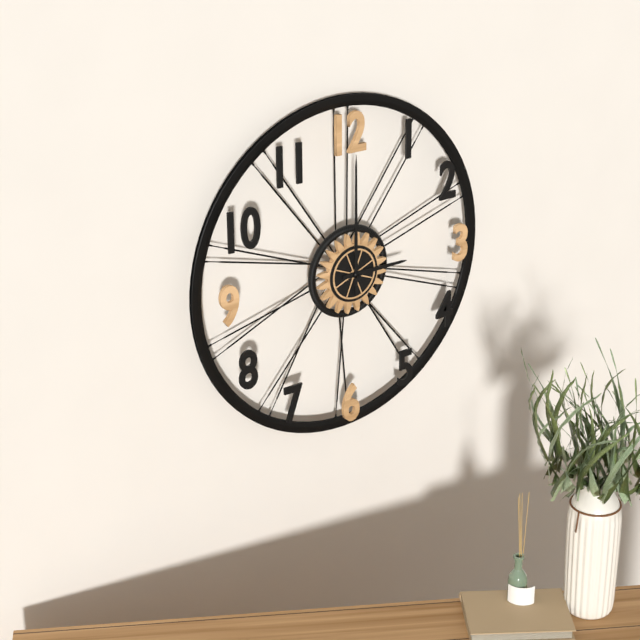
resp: 3,00
